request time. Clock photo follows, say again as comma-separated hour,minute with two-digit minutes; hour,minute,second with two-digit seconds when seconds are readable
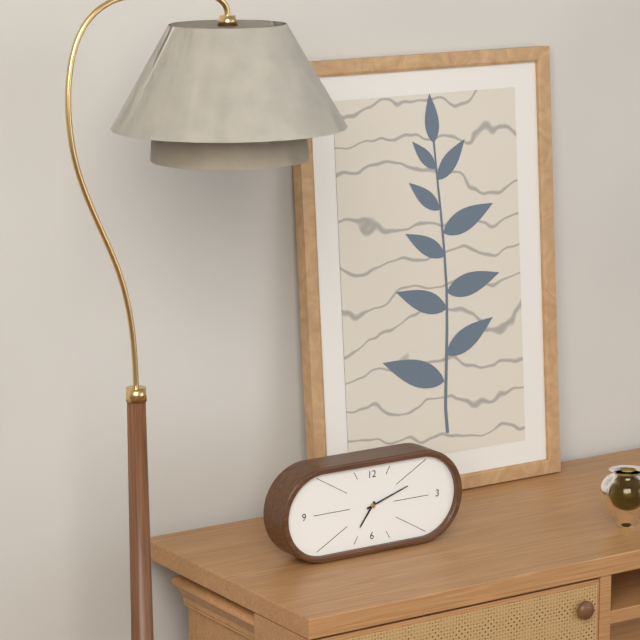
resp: 7,12
